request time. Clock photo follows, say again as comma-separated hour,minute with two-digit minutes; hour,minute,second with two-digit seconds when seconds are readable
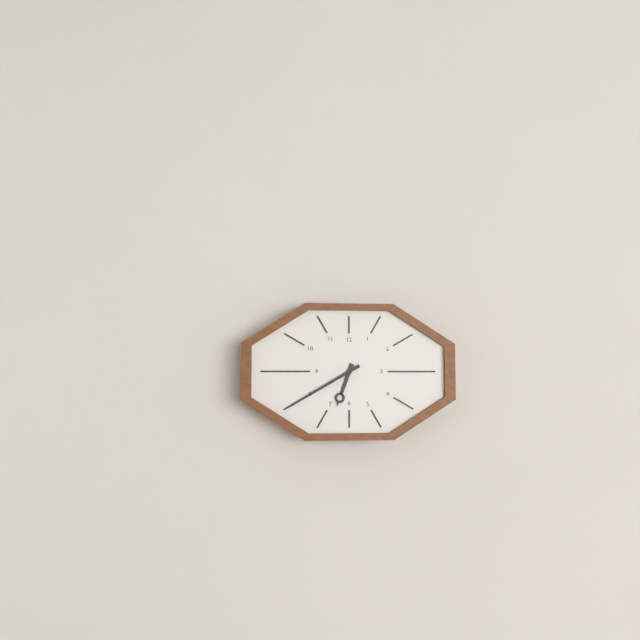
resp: 6,40
